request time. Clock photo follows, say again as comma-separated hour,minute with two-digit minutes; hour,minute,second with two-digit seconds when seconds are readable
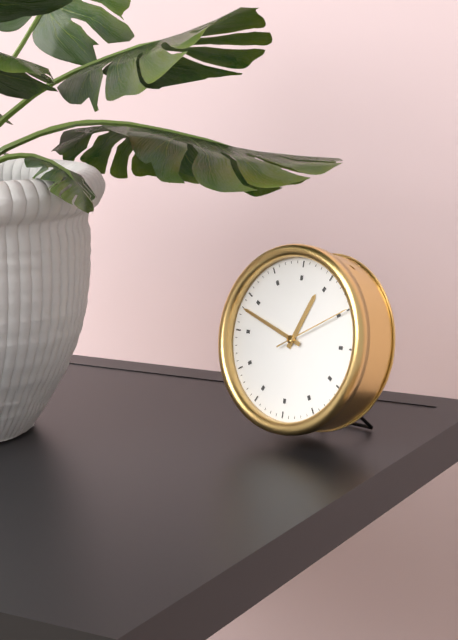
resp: 12,48,10
